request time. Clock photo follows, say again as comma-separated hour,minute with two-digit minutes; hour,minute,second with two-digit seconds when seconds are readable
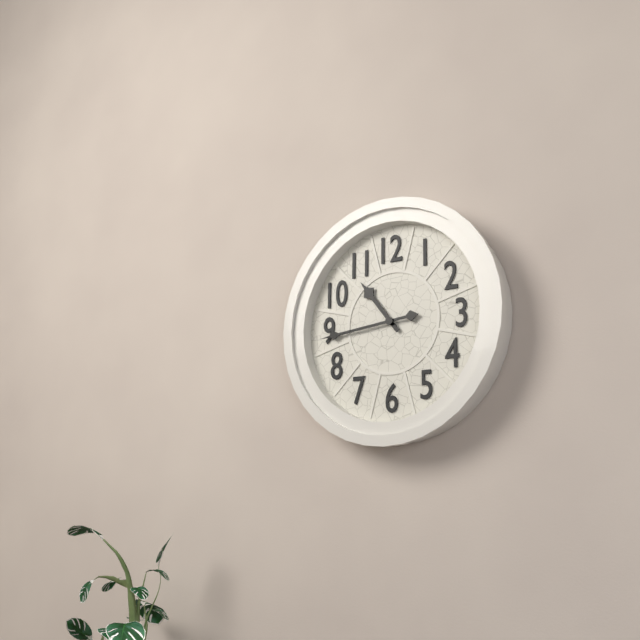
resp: 10,44
